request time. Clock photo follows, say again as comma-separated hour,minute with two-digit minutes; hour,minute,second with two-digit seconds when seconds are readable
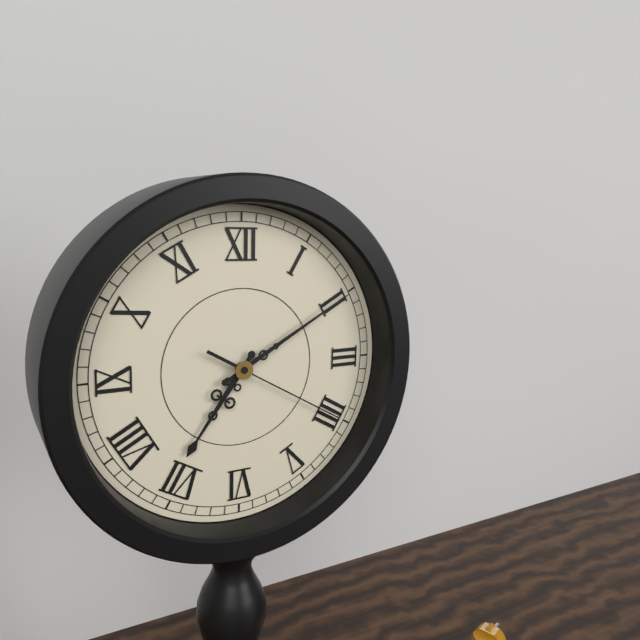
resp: 7,10,20
